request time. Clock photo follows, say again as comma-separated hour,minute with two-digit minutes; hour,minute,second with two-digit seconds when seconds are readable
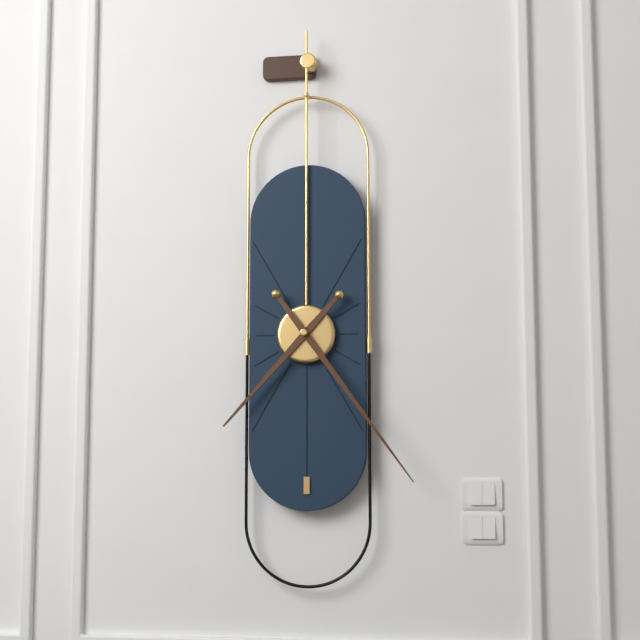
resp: 7,24
